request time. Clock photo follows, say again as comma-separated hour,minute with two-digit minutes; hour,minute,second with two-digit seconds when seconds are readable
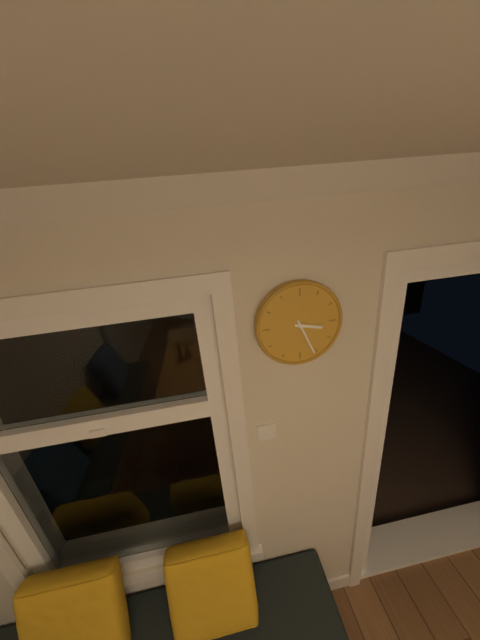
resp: 3,26
